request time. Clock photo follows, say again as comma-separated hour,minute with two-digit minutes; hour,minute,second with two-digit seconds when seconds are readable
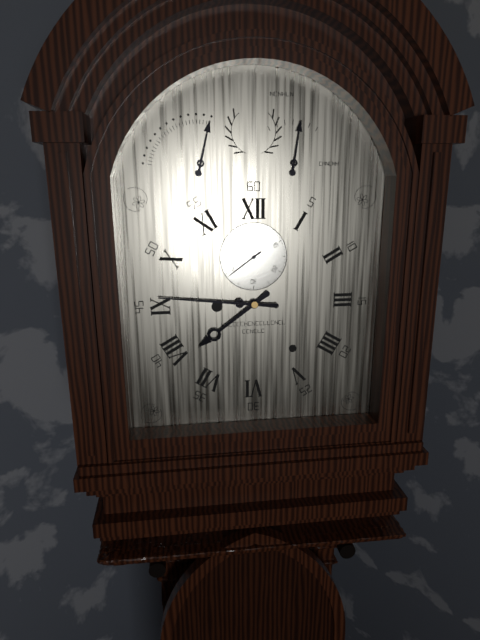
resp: 7,46
